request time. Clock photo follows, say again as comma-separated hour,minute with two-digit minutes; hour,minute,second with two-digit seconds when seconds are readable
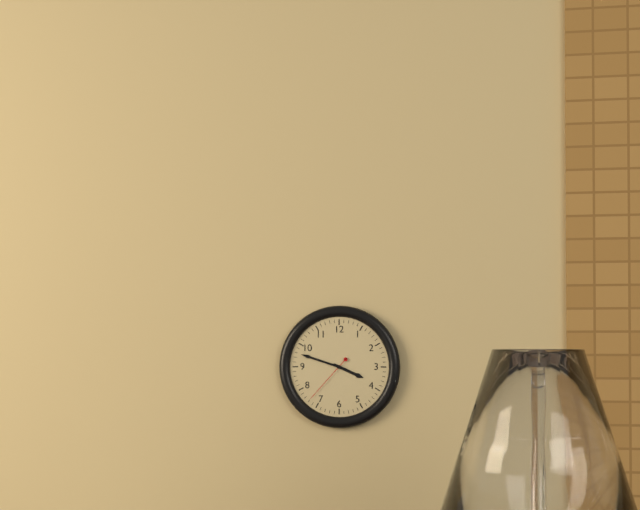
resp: 3,48,37
